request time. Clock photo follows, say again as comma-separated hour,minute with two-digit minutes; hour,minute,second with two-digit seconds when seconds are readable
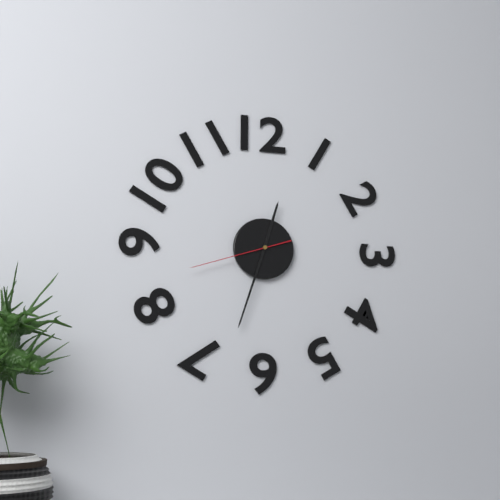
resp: 12,33,42
